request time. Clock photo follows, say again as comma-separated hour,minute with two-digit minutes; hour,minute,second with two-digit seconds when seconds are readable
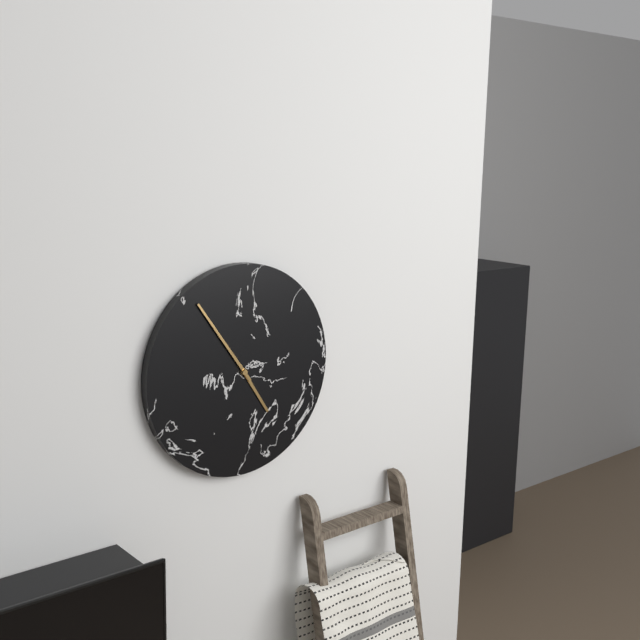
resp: 4,54
